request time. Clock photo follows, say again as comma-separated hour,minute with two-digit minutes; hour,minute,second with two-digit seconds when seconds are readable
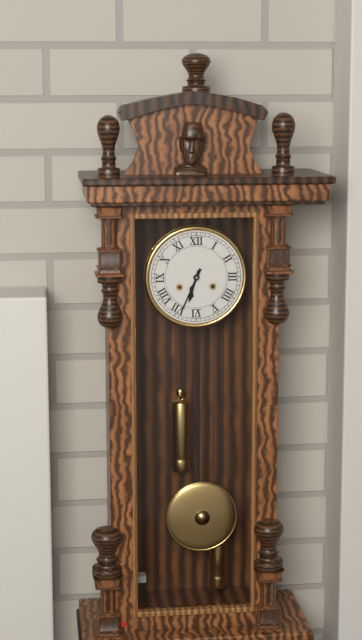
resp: 6,34
